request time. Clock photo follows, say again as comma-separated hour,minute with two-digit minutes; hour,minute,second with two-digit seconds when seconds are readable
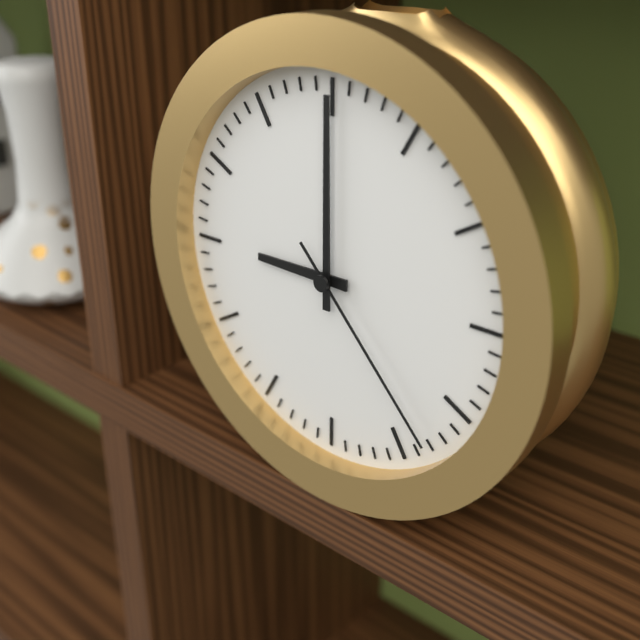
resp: 9,00,23
